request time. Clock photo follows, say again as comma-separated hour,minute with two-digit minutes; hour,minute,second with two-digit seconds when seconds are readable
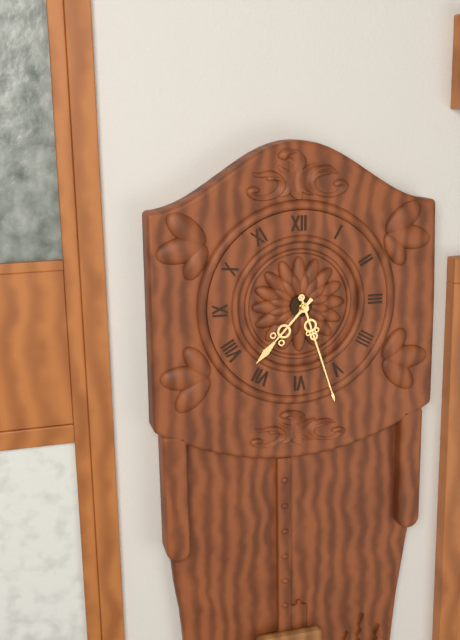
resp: 7,27
